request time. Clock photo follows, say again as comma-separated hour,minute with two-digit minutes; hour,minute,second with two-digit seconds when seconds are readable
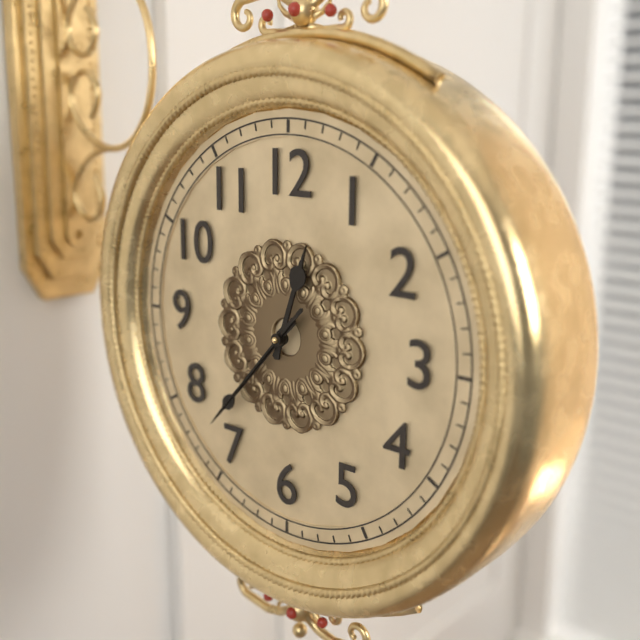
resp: 12,37,37
